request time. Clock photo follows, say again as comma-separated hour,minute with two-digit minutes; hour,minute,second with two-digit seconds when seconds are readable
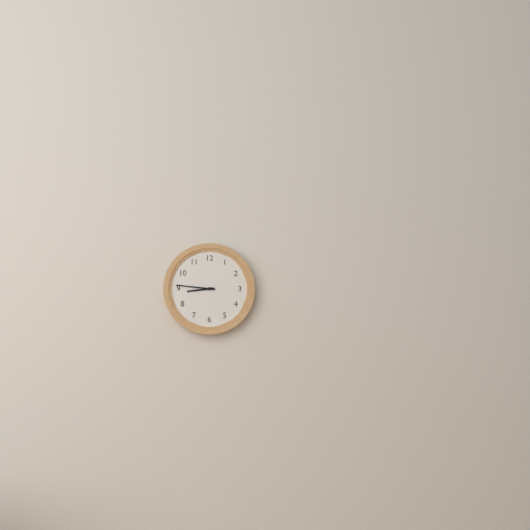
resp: 8,46
